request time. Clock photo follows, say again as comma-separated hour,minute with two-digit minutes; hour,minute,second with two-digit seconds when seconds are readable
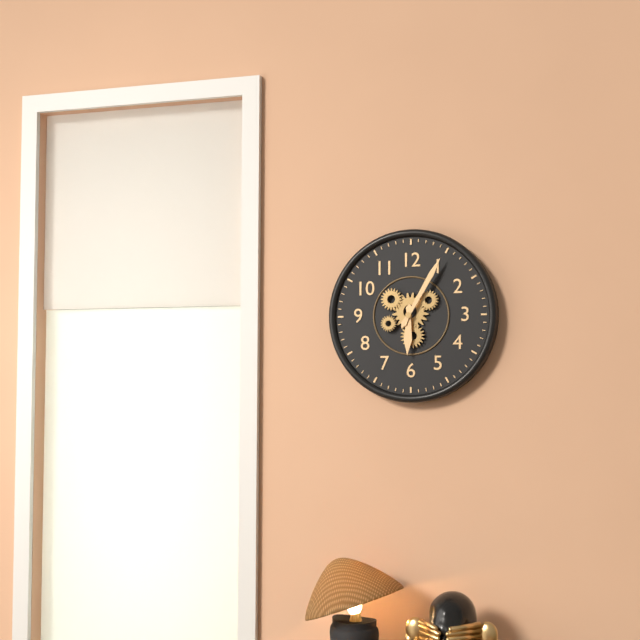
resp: 6,05
